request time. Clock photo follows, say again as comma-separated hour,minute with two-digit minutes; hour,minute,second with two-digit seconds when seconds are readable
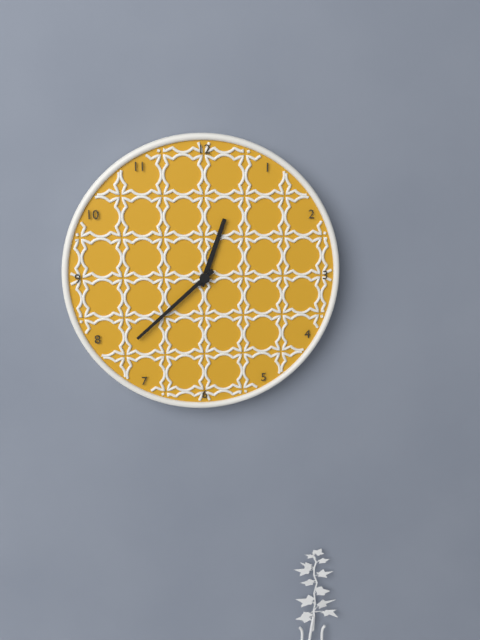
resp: 12,38
